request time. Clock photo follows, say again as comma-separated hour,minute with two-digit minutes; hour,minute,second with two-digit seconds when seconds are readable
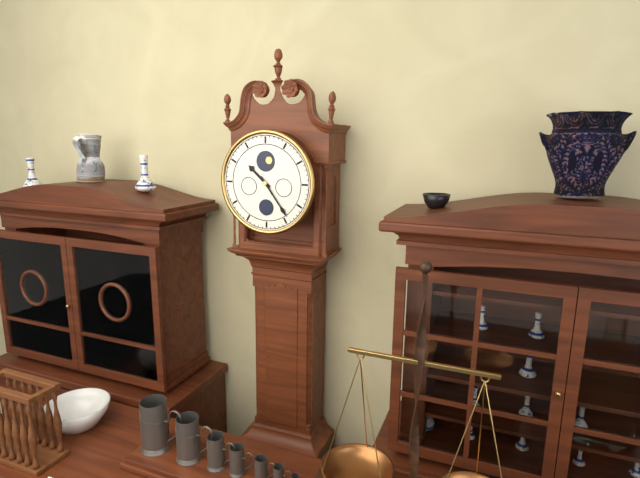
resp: 10,24
